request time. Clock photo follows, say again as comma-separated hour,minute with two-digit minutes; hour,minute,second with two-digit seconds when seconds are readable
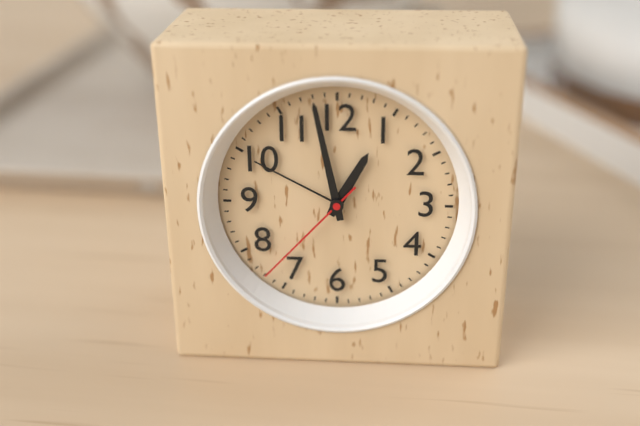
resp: 12,58,37
